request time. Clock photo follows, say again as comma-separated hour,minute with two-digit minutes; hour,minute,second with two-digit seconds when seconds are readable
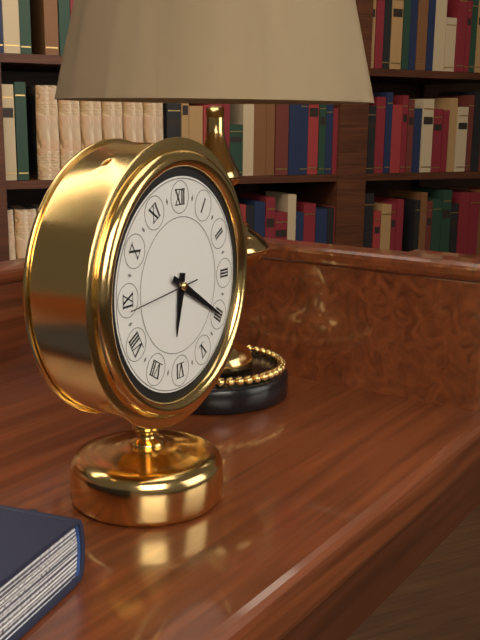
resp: 6,20,44
